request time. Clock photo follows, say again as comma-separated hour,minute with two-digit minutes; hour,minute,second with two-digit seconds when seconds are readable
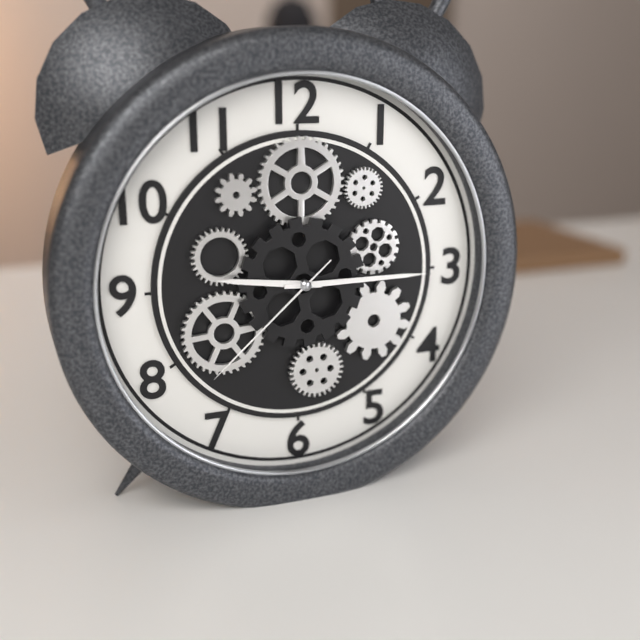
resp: 9,15,38
